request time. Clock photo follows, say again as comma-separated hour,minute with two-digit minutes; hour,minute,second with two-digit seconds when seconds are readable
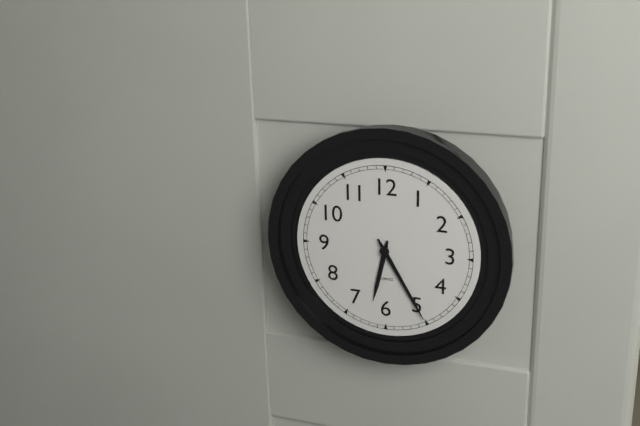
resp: 6,25
